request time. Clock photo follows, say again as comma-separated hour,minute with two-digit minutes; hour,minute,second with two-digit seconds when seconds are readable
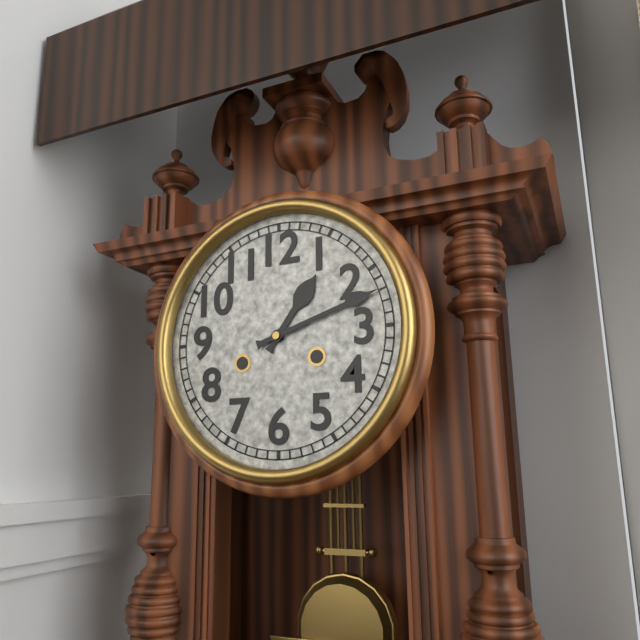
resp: 1,12
